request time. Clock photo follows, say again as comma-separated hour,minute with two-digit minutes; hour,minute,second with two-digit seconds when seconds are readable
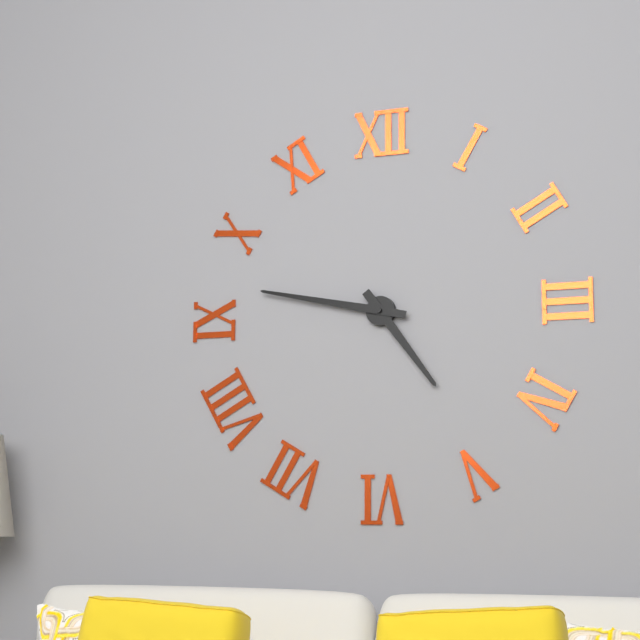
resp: 4,47
